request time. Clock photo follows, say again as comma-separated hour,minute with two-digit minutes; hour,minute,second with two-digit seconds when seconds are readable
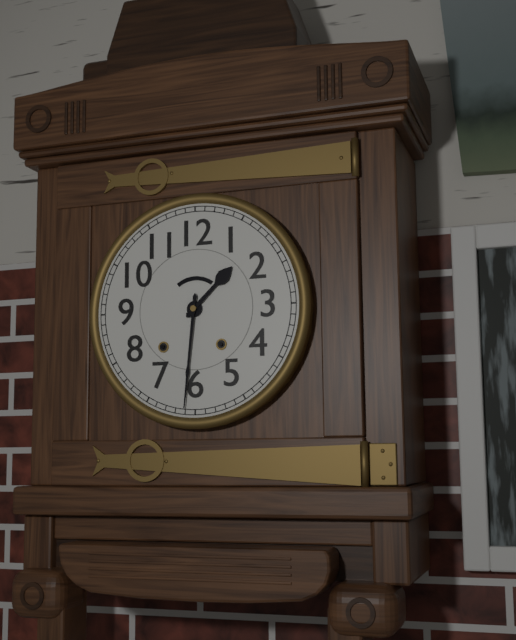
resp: 1,31
